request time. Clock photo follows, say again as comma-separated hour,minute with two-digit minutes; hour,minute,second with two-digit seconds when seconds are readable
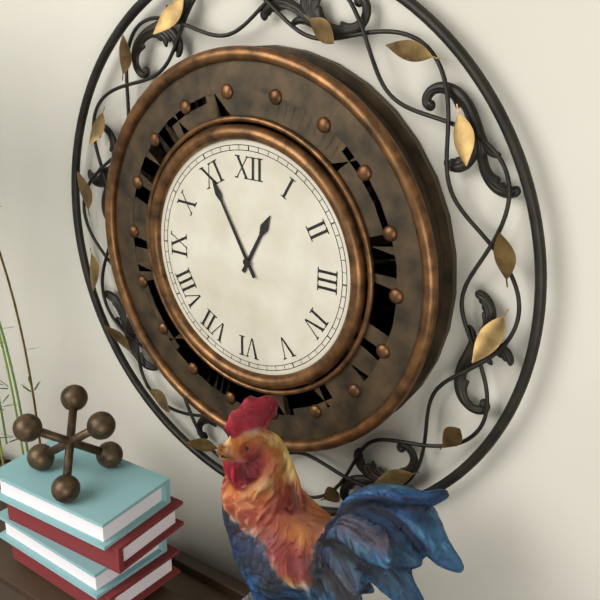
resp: 12,55
